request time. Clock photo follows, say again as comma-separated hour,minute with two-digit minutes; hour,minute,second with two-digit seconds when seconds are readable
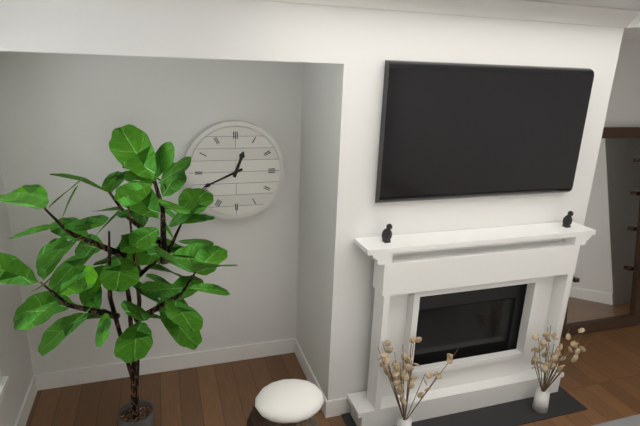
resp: 12,41
